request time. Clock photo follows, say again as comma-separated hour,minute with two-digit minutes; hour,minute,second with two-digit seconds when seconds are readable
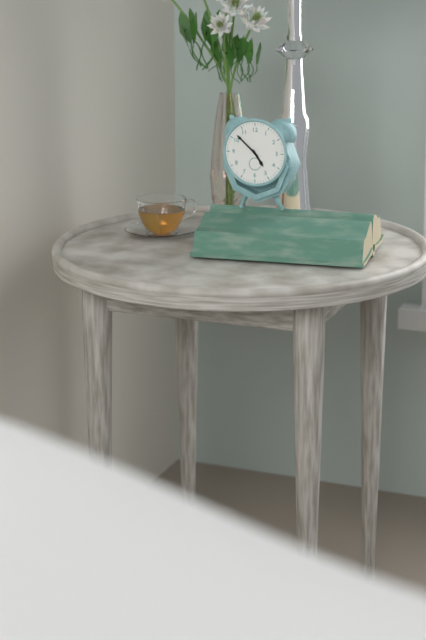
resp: 4,52
